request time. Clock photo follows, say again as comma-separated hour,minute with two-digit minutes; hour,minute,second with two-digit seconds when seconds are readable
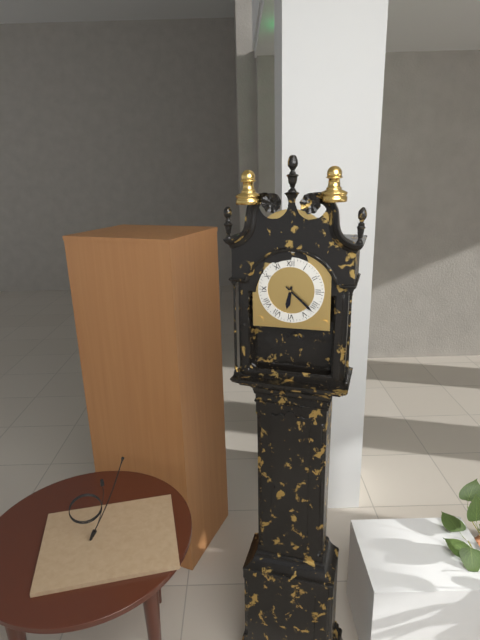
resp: 6,22
